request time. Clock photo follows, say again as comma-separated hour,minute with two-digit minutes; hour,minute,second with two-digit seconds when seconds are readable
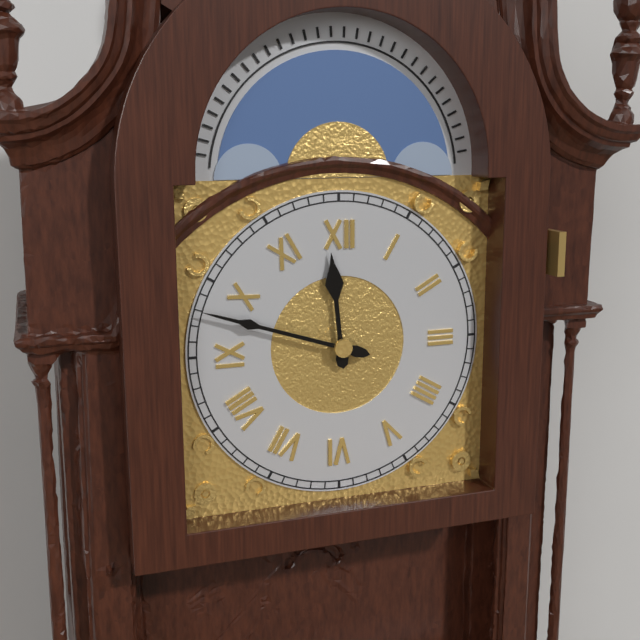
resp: 11,48
